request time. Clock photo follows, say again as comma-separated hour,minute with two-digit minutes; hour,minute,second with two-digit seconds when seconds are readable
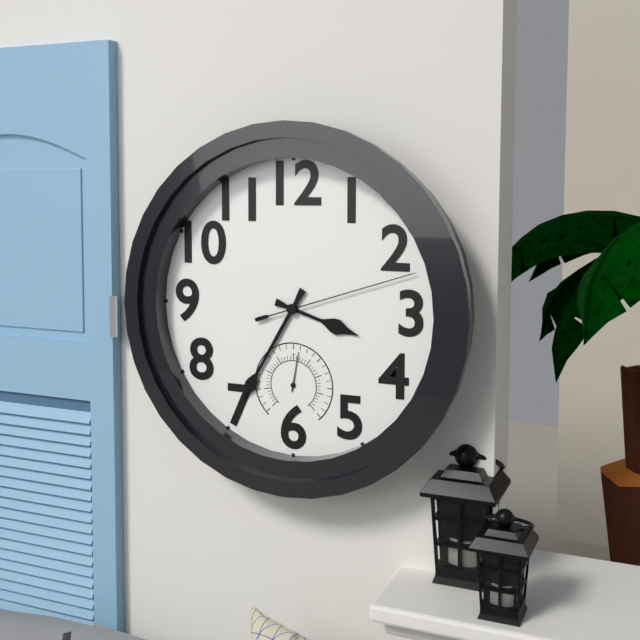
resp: 3,35,12
